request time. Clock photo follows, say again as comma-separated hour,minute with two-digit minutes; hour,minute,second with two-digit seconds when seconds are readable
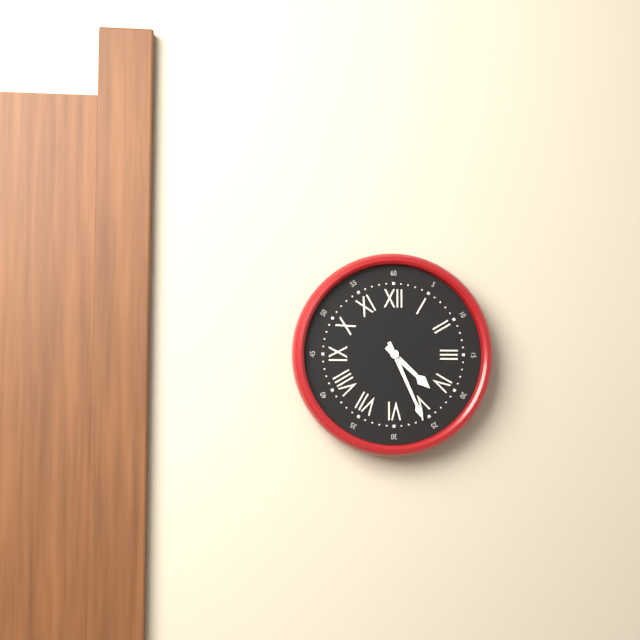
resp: 4,26
